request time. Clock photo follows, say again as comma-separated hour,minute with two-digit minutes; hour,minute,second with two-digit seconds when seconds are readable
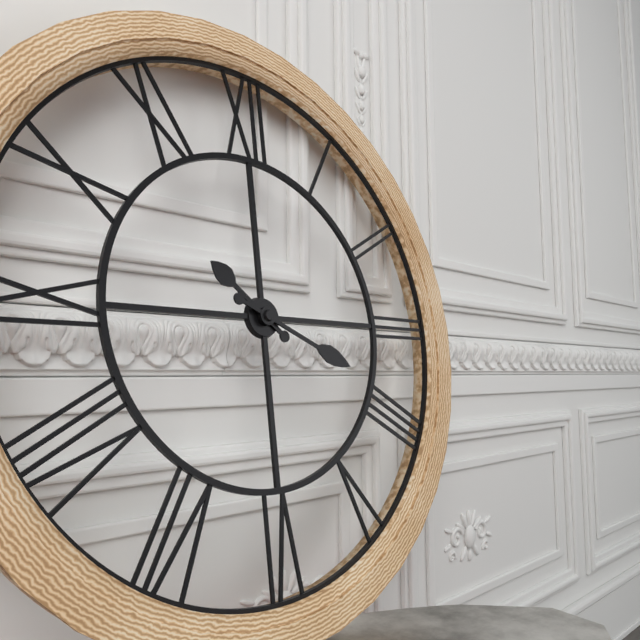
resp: 10,19
